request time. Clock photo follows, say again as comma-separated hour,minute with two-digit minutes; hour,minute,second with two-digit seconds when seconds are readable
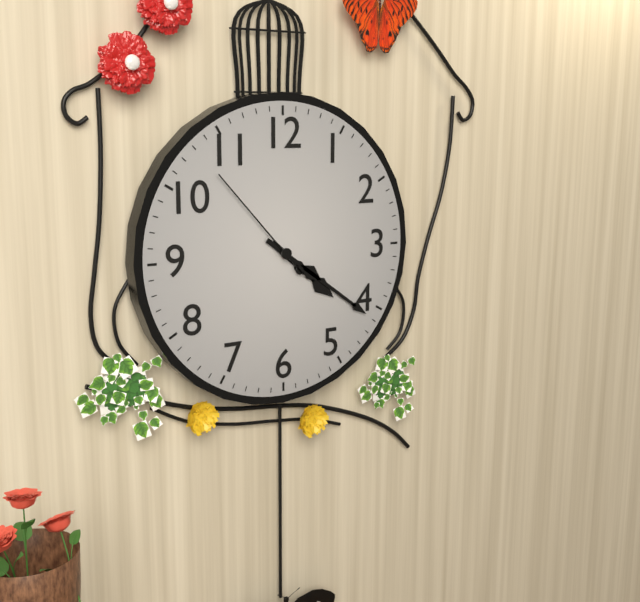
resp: 4,21,53
